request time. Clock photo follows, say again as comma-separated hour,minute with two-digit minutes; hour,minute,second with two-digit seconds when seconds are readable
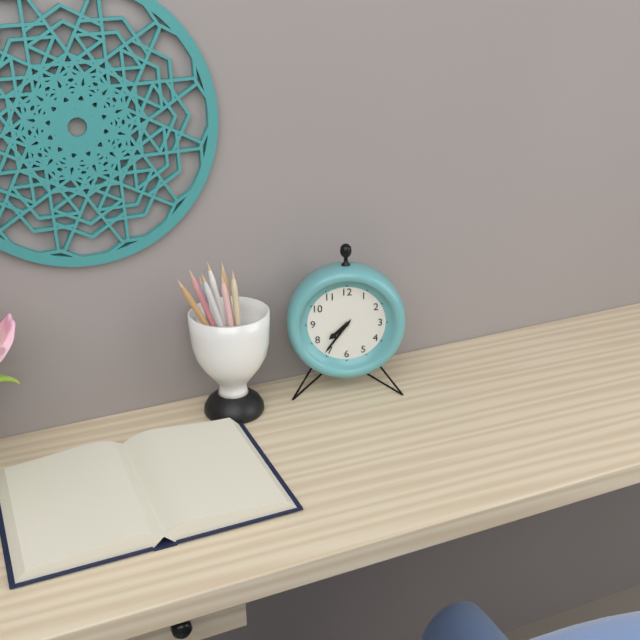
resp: 7,36
